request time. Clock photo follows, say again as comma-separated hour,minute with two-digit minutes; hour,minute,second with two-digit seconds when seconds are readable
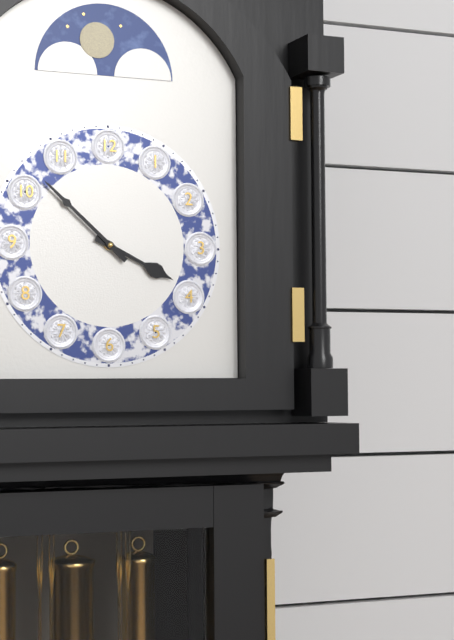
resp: 3,52
